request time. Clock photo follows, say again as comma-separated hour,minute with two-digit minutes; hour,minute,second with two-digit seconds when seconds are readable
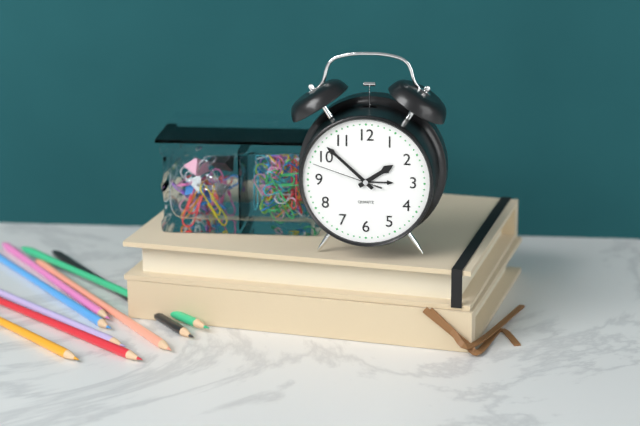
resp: 1,52,48
